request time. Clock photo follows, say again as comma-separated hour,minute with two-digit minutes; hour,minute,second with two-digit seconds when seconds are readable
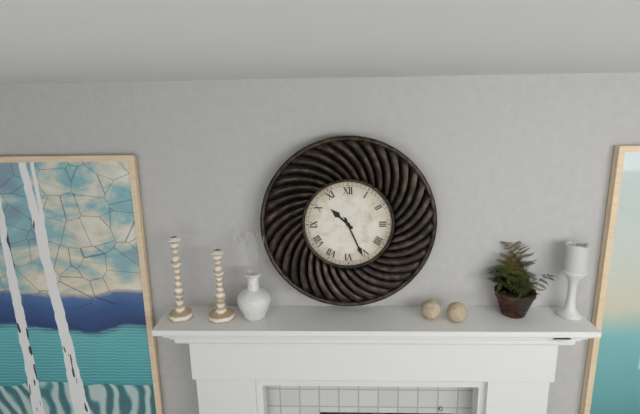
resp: 10,26
